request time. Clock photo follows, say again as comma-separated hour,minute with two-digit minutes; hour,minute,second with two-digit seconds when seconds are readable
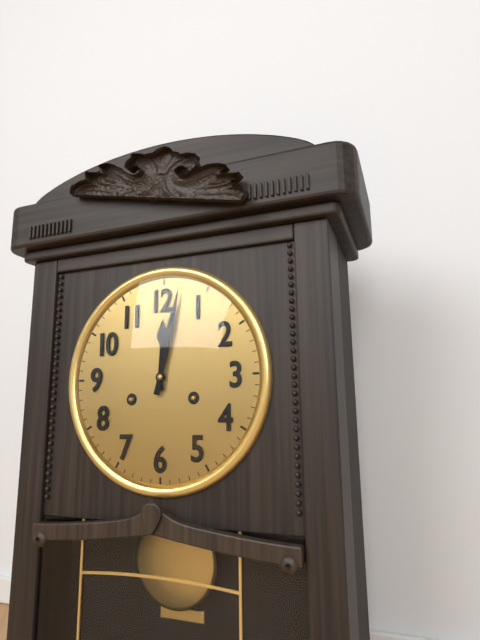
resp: 12,02
